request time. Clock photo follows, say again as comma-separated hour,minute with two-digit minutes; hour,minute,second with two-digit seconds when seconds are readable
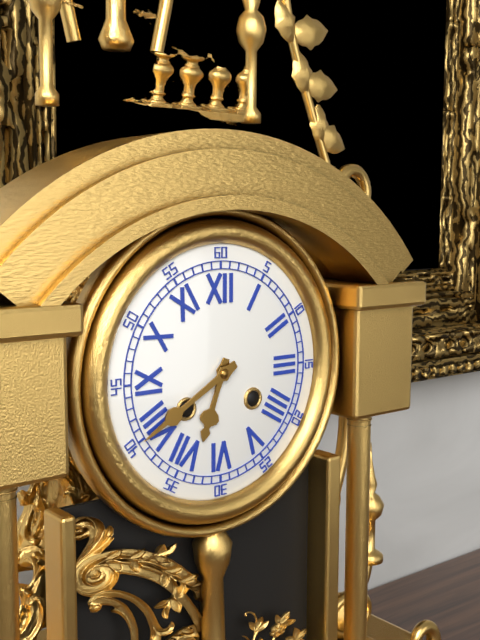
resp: 6,40
